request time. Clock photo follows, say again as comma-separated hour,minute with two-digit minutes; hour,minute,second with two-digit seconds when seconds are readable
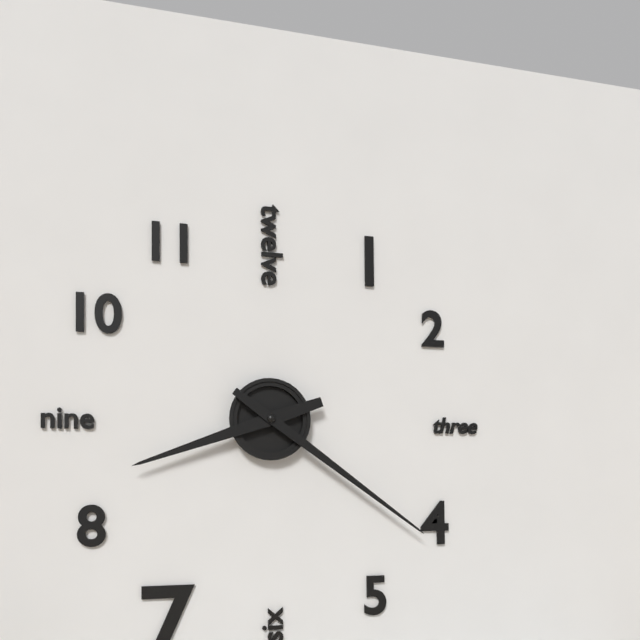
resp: 8,21
